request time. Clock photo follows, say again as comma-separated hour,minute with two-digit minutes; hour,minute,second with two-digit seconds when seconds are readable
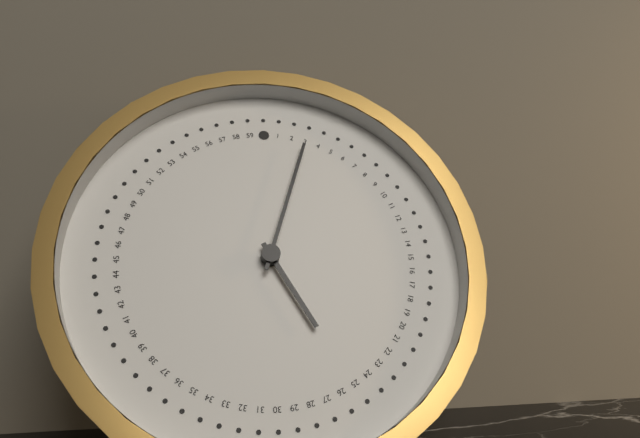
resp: 5,03
